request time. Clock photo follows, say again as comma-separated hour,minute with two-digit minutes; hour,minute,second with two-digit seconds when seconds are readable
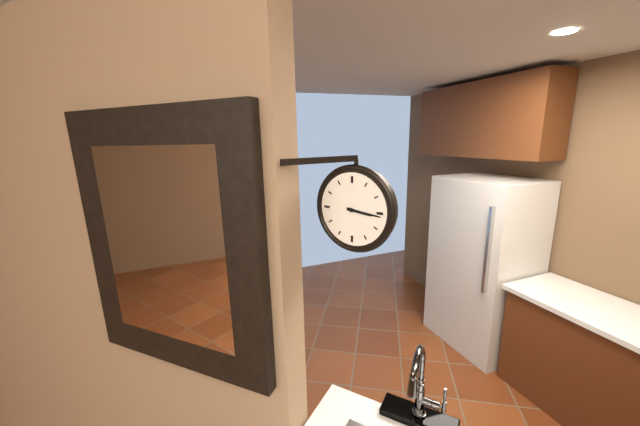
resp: 3,16
